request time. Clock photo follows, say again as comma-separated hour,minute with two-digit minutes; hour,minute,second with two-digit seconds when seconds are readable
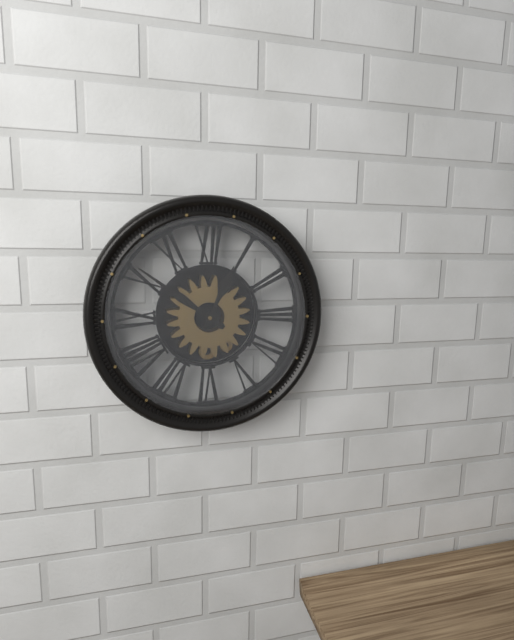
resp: 12,51
